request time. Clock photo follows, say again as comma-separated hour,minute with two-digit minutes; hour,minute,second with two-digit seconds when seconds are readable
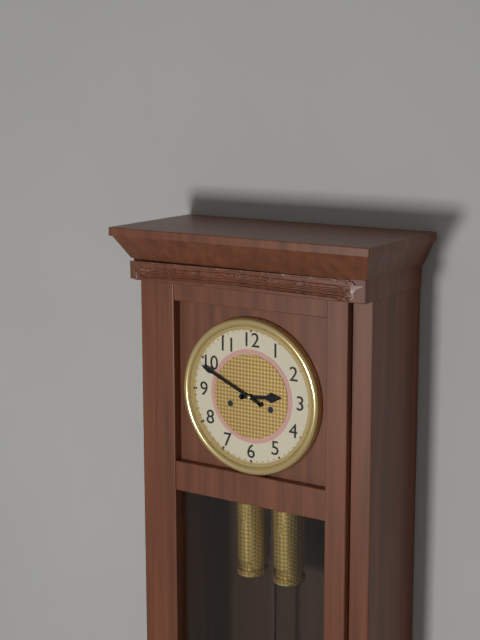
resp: 2,49
